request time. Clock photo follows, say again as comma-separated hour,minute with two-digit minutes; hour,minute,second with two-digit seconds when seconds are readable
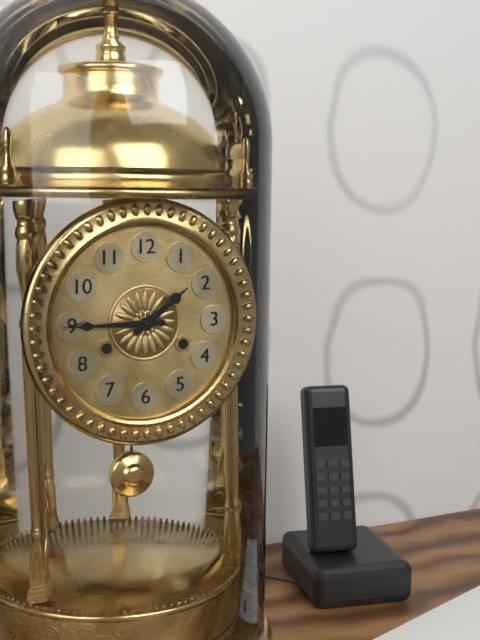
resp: 1,45
